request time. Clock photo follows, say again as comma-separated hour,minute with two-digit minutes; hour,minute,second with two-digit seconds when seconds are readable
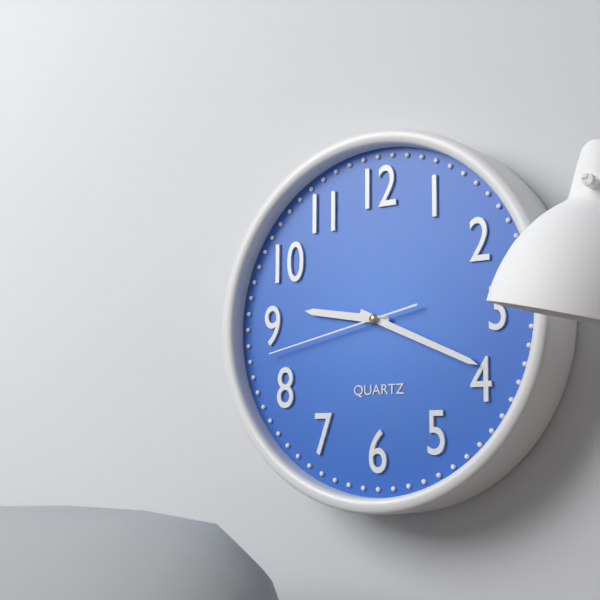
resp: 9,19,43
